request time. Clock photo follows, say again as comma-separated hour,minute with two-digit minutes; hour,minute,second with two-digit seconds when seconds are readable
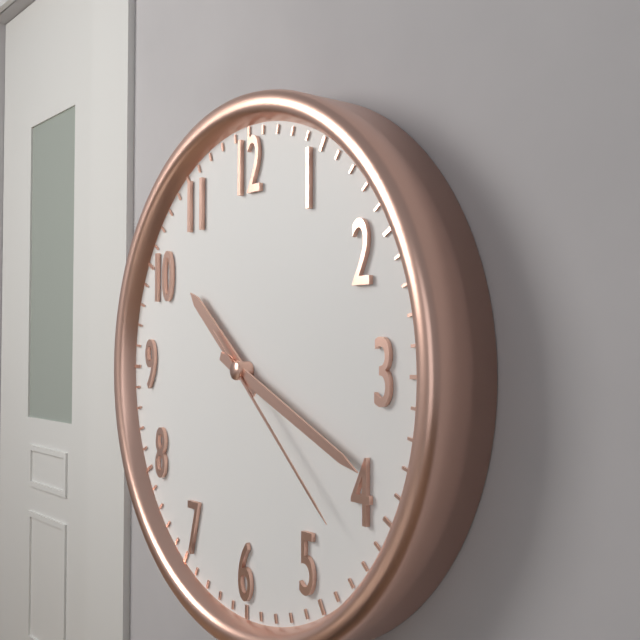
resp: 10,19,22
